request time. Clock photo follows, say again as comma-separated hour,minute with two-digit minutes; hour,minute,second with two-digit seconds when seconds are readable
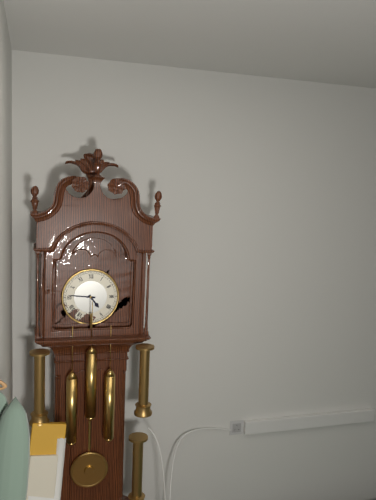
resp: 4,46
